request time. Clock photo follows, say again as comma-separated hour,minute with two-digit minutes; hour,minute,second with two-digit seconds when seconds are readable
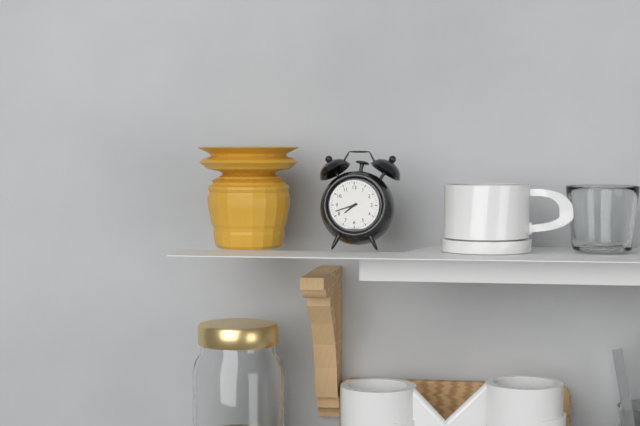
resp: 7,42
